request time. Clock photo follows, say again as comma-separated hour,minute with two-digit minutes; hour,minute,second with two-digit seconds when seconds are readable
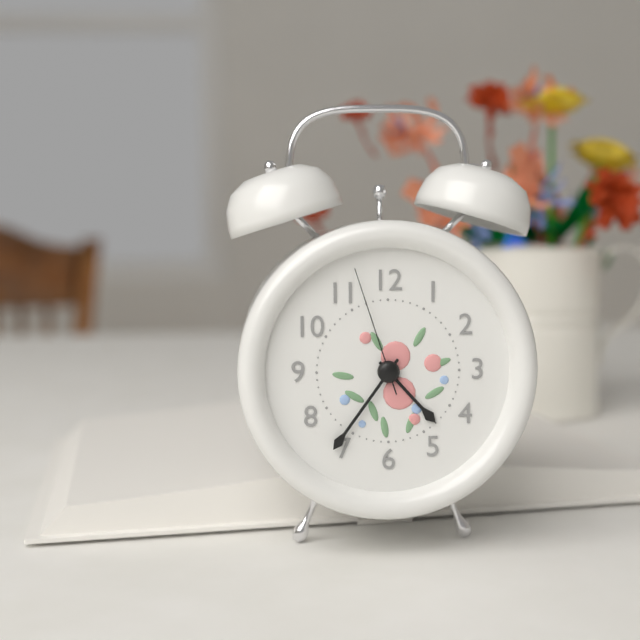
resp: 4,36,57
